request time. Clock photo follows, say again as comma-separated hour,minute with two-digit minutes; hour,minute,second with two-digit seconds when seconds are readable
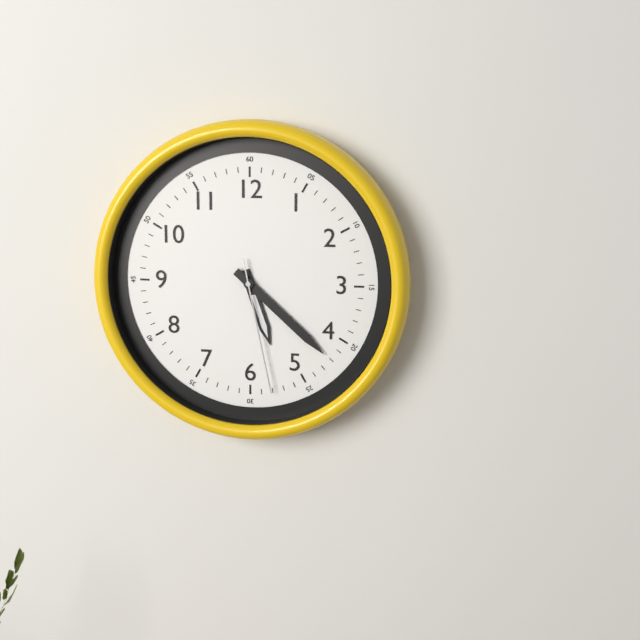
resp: 5,22,28
